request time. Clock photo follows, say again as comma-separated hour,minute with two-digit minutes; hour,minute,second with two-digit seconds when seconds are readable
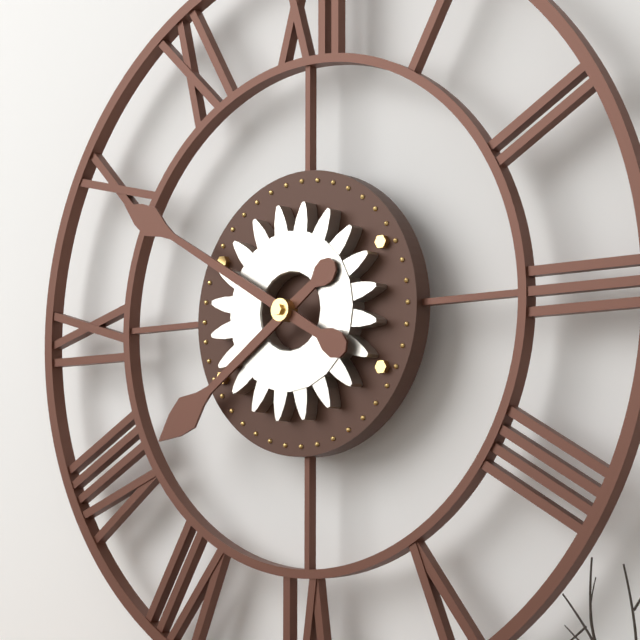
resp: 7,50
